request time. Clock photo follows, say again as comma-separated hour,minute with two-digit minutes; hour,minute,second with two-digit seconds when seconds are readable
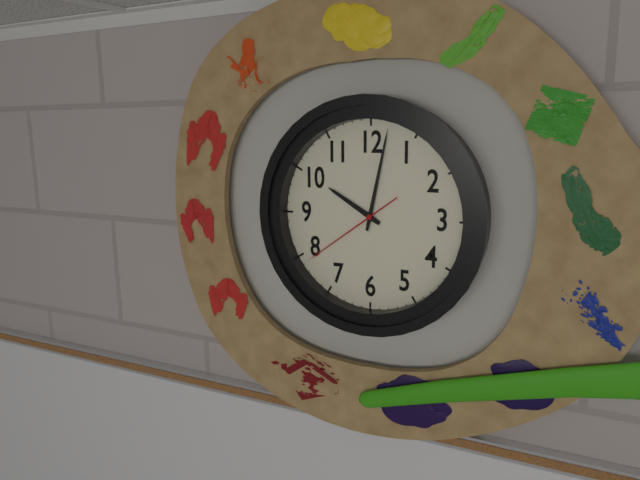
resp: 10,02,39
